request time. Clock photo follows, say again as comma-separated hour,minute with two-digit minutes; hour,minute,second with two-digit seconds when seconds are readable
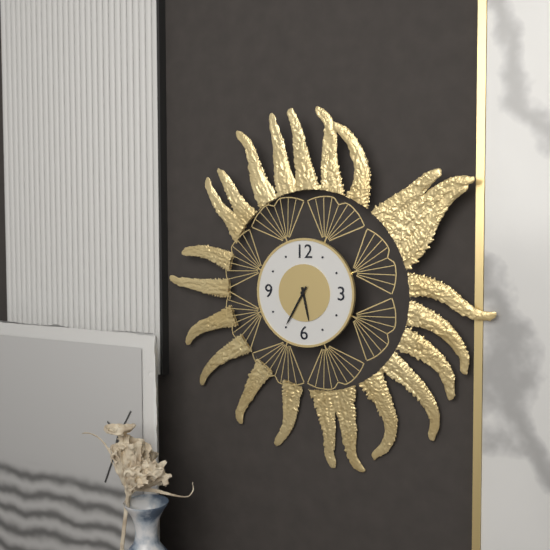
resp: 5,35
